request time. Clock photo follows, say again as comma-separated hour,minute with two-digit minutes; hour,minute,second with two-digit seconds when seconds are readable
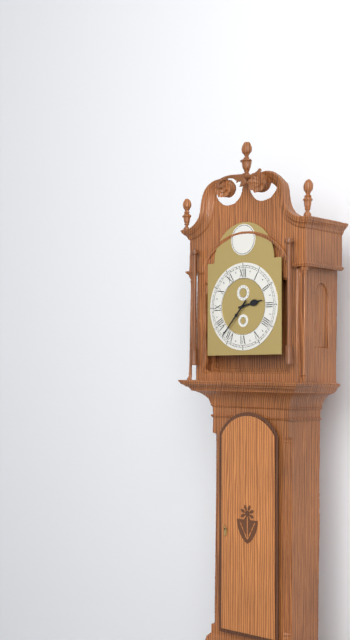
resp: 2,37
